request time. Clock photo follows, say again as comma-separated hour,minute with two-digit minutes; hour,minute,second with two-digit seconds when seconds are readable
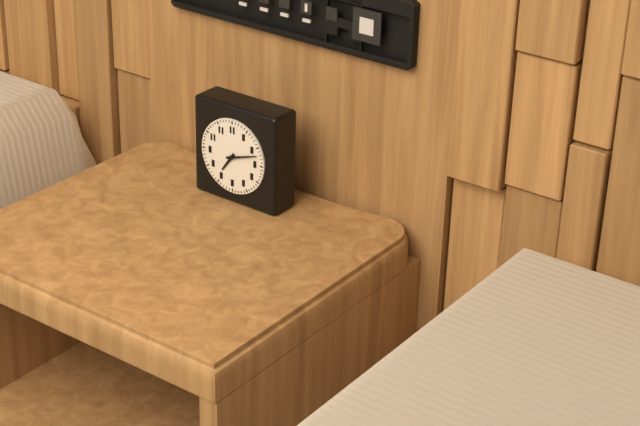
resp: 7,12
